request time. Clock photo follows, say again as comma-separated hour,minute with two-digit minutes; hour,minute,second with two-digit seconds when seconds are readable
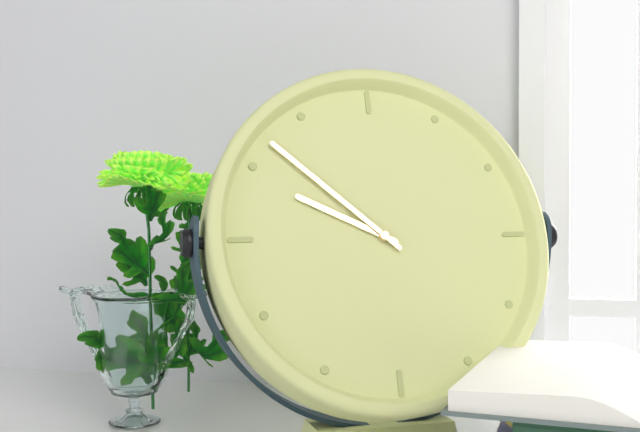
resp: 9,52
